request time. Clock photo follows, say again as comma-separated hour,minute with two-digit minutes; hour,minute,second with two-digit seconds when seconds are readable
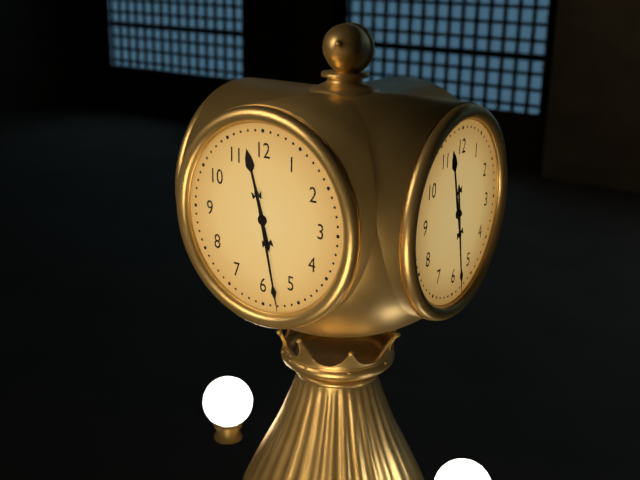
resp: 11,28
